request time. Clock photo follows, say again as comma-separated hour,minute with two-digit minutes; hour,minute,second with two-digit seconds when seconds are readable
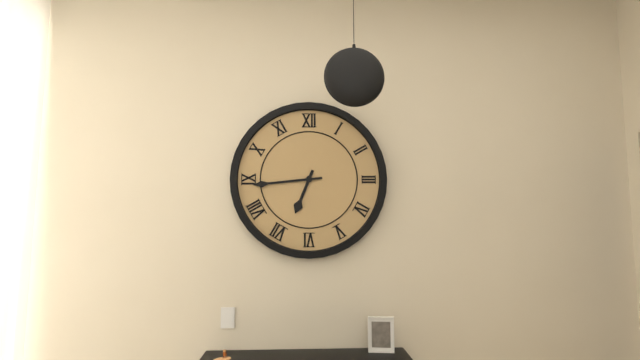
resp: 6,44
